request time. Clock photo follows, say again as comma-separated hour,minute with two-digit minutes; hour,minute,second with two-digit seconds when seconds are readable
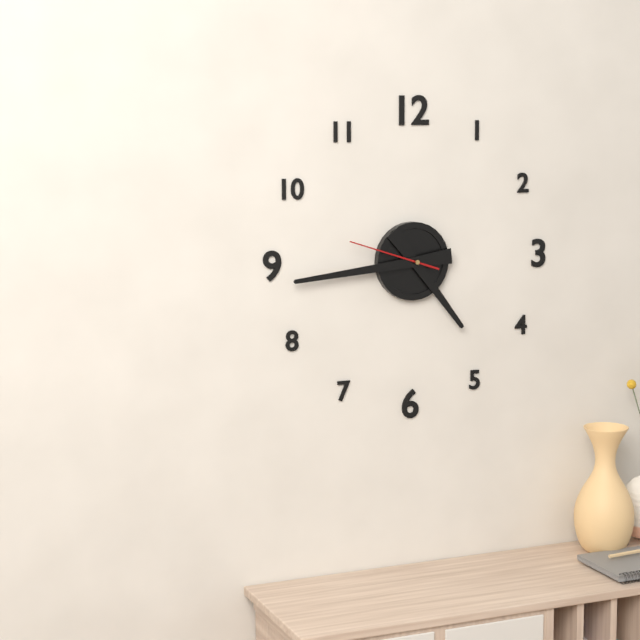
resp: 4,44,48
